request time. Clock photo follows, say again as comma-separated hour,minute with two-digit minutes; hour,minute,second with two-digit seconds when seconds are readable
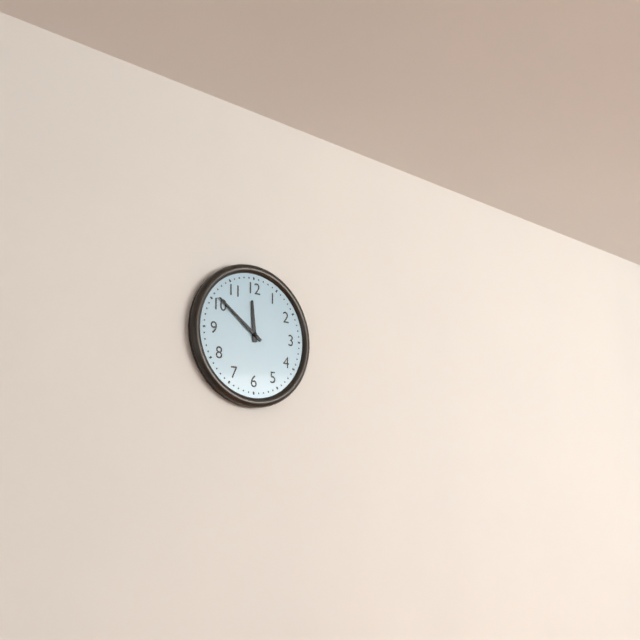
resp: 11,51
